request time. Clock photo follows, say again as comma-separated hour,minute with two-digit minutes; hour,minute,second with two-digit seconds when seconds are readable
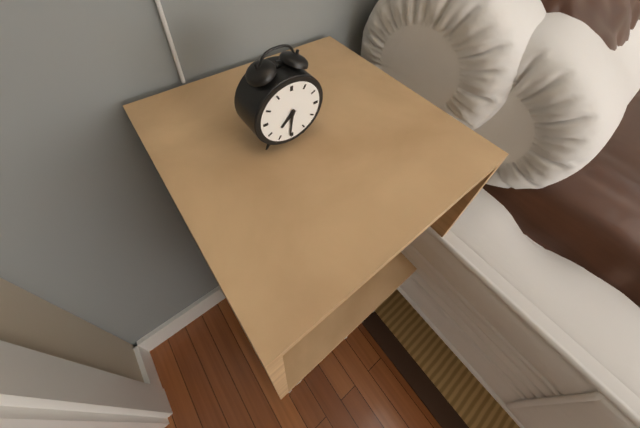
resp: 7,31
